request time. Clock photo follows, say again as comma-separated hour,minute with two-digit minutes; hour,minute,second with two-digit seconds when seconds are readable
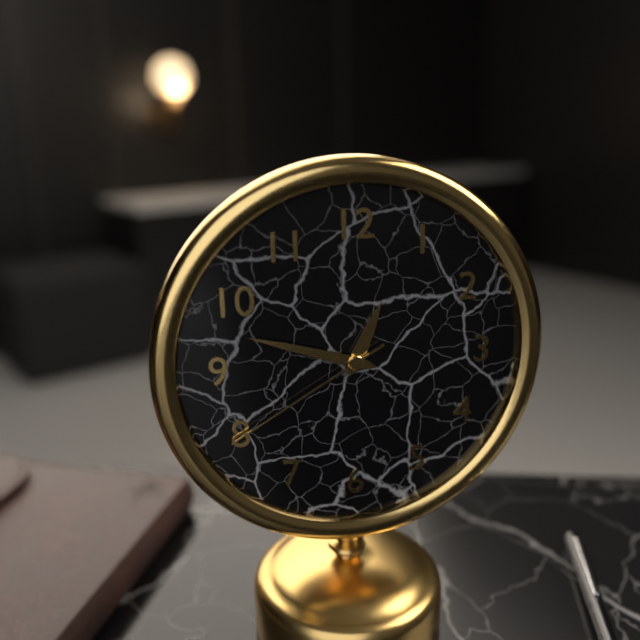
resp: 12,48,40
